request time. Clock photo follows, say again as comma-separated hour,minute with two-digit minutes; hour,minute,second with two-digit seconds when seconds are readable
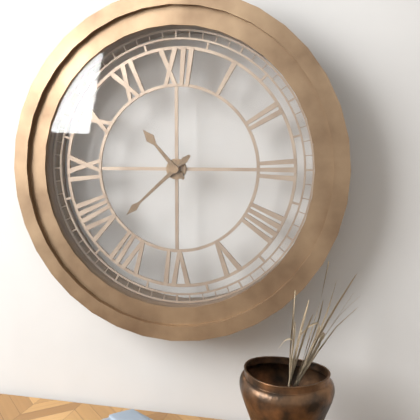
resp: 10,38
